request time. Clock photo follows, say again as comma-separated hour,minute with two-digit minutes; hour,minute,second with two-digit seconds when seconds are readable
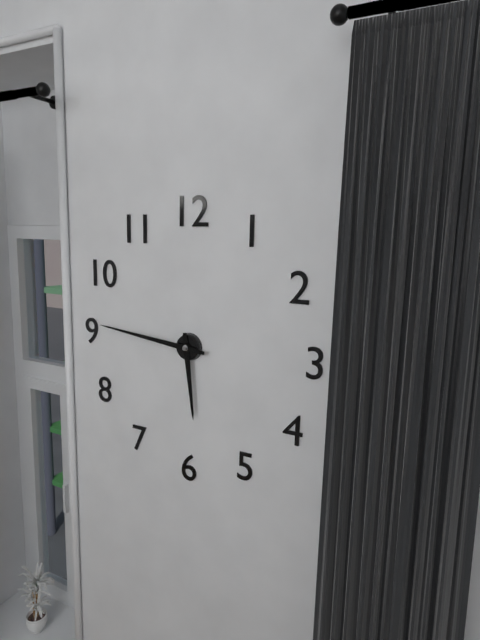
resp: 5,46
